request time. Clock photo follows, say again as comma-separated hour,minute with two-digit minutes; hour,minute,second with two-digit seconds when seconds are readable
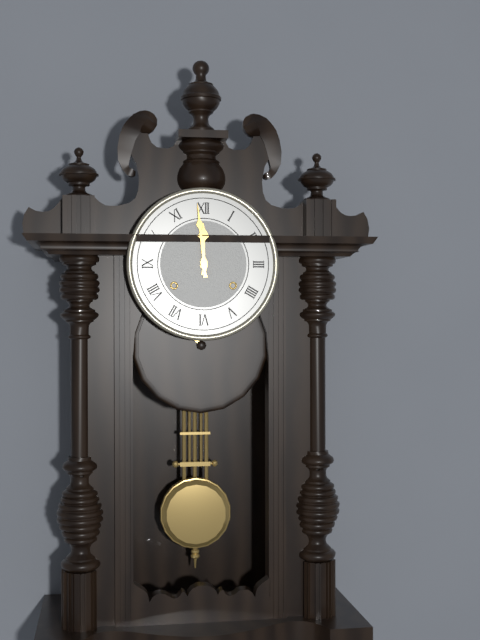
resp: 11,59
